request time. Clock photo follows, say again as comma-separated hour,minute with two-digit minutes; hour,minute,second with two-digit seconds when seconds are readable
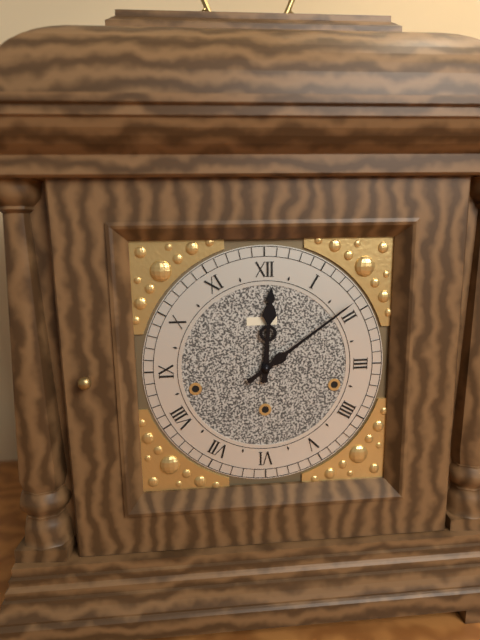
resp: 12,09
